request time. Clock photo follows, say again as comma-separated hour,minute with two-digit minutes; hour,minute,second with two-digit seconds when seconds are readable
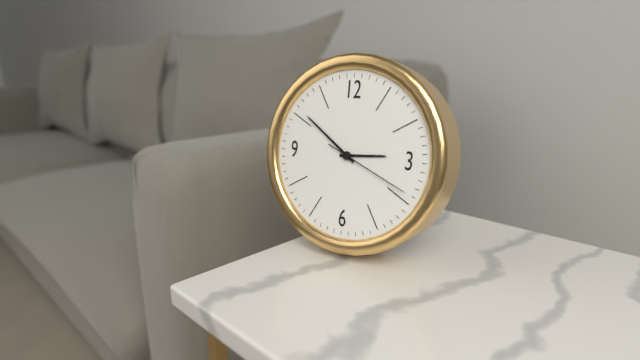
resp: 2,51,19
